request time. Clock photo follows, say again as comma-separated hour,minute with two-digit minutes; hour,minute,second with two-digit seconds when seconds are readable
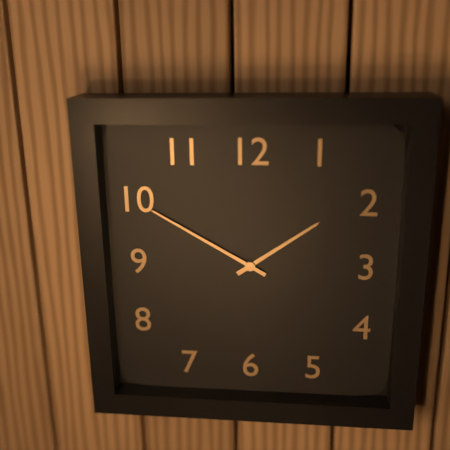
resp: 1,50
